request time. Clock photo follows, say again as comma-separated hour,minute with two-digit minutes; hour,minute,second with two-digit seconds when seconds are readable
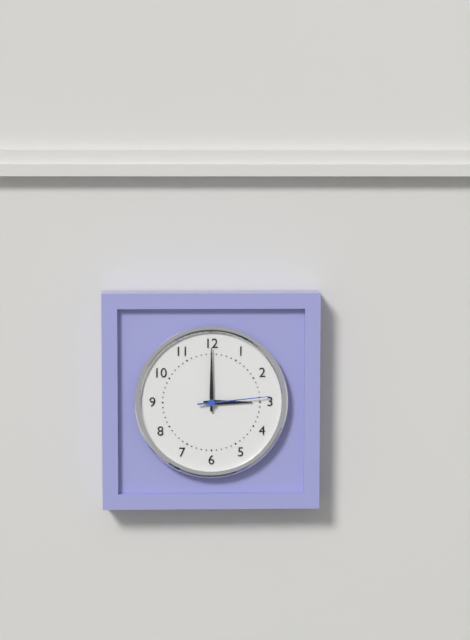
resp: 3,00,14
